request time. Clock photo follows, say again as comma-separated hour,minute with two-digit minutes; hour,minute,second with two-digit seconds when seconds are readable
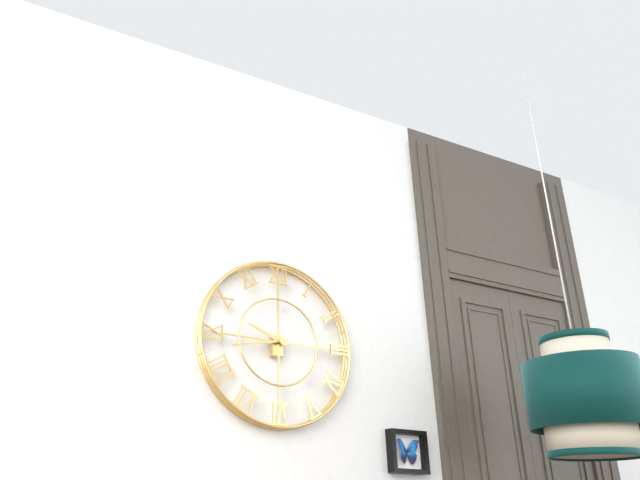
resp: 9,43
